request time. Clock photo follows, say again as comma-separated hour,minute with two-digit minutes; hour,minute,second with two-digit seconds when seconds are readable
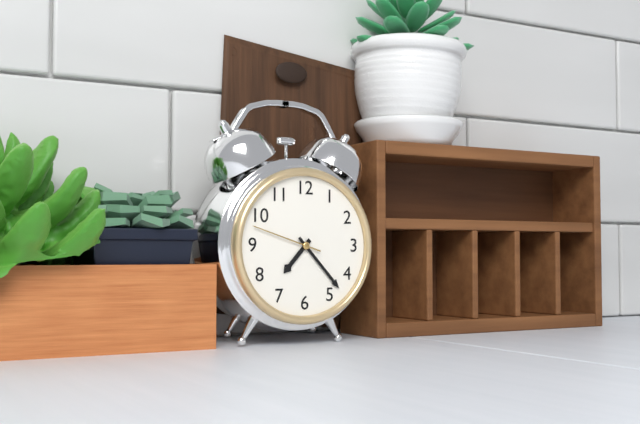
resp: 7,23,48
